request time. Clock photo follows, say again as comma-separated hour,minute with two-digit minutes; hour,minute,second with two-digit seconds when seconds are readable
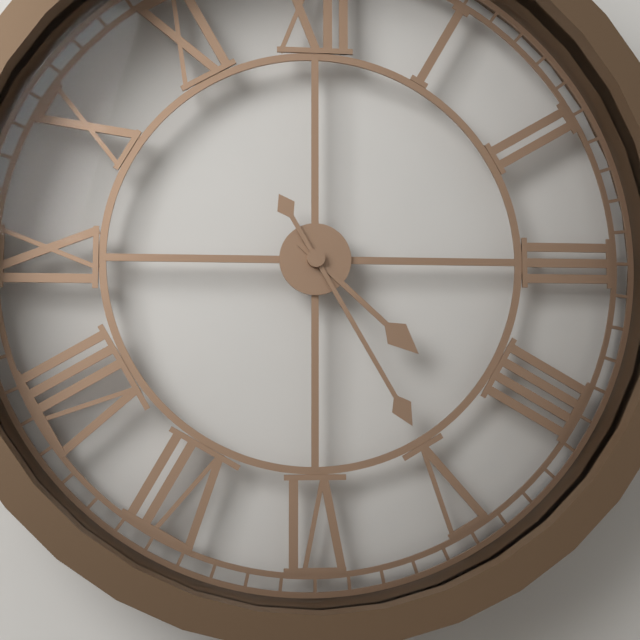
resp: 4,25
